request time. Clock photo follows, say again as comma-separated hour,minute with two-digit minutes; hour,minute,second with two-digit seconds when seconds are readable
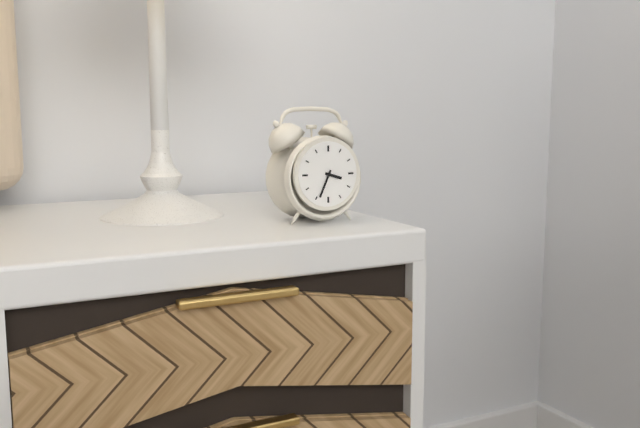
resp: 3,34
